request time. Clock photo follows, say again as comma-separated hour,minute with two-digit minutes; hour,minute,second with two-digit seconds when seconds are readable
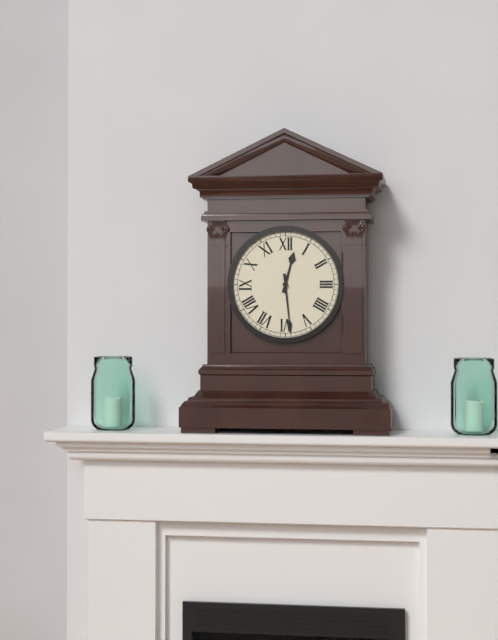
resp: 12,29
